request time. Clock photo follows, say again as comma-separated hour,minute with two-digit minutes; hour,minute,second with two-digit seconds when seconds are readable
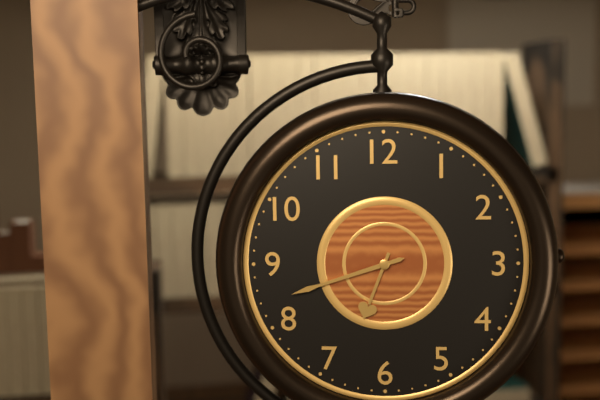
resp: 6,42
